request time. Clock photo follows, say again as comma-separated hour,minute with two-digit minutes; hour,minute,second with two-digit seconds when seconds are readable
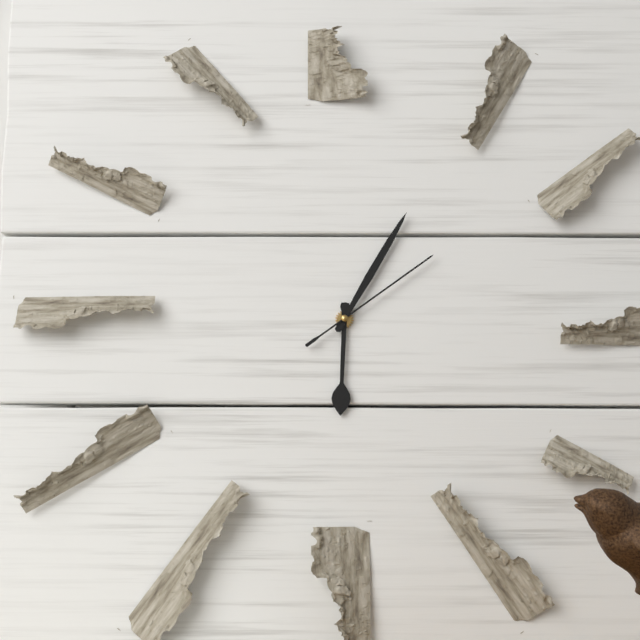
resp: 6,05,09
